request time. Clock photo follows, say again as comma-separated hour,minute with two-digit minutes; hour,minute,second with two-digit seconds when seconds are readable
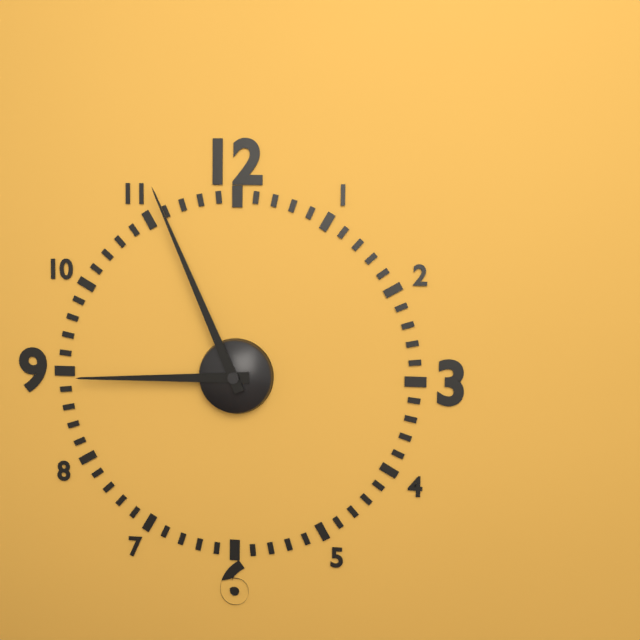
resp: 8,56
